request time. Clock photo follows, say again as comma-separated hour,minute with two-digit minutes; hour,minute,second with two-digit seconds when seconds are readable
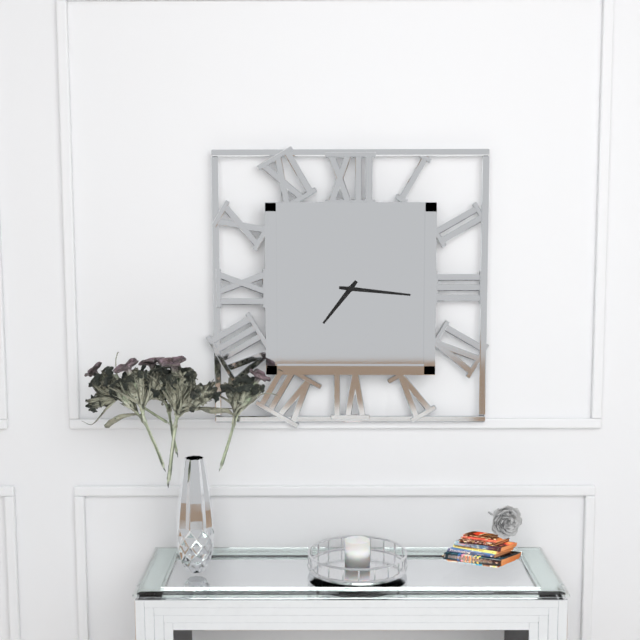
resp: 7,16
